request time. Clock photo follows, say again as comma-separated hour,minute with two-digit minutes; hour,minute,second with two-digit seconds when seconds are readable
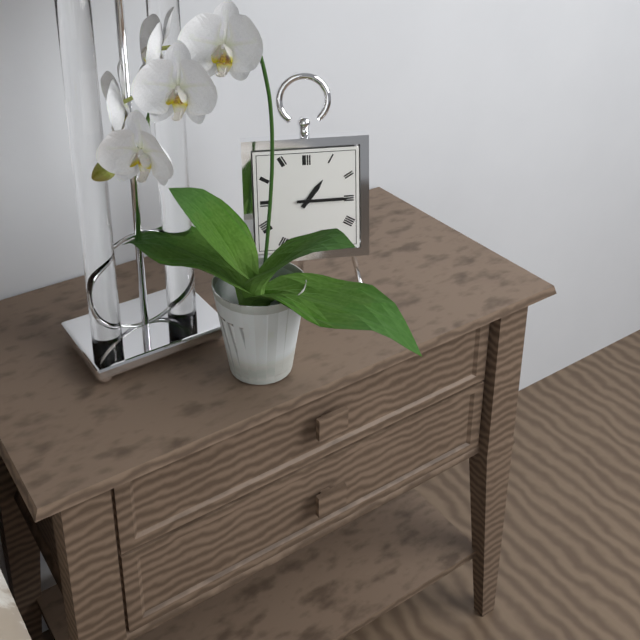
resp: 1,15
